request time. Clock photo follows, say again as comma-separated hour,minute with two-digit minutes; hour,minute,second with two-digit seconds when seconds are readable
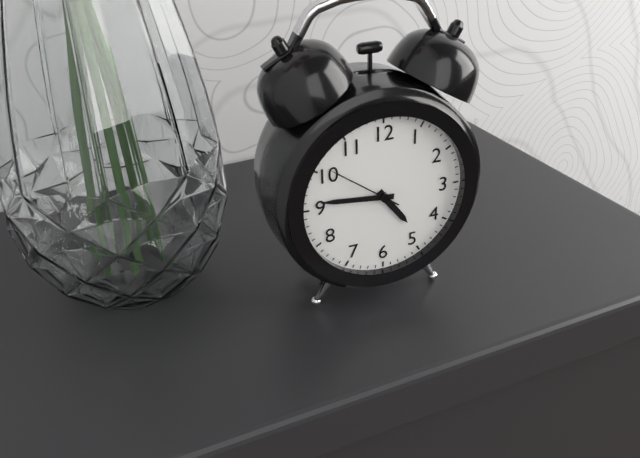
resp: 4,46,51
